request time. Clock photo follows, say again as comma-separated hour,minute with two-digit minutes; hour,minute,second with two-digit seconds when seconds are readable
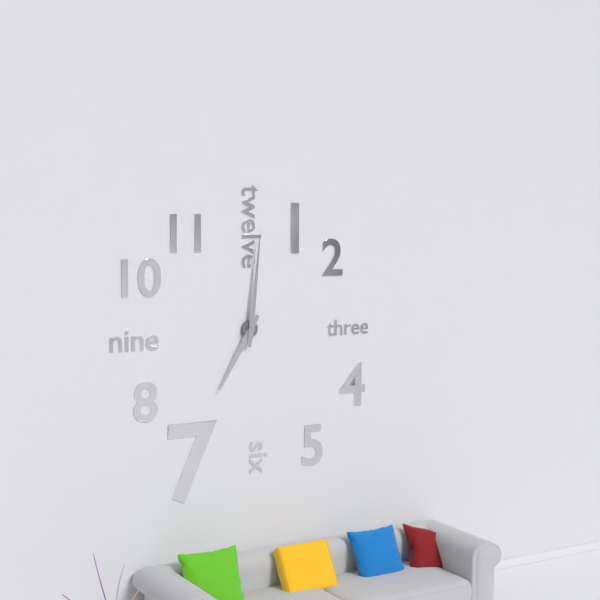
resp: 7,01
